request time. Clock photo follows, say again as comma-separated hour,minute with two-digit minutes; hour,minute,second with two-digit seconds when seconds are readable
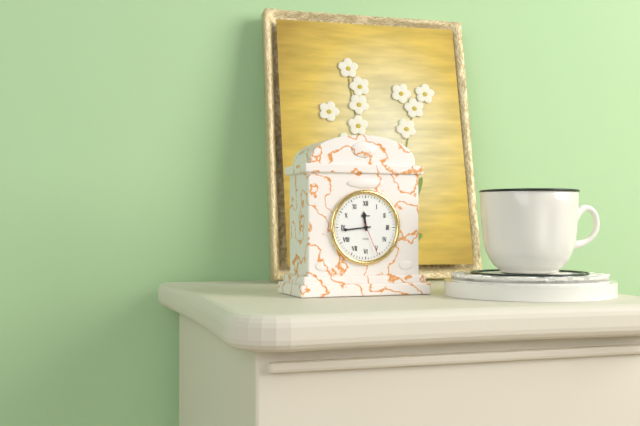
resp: 11,44
